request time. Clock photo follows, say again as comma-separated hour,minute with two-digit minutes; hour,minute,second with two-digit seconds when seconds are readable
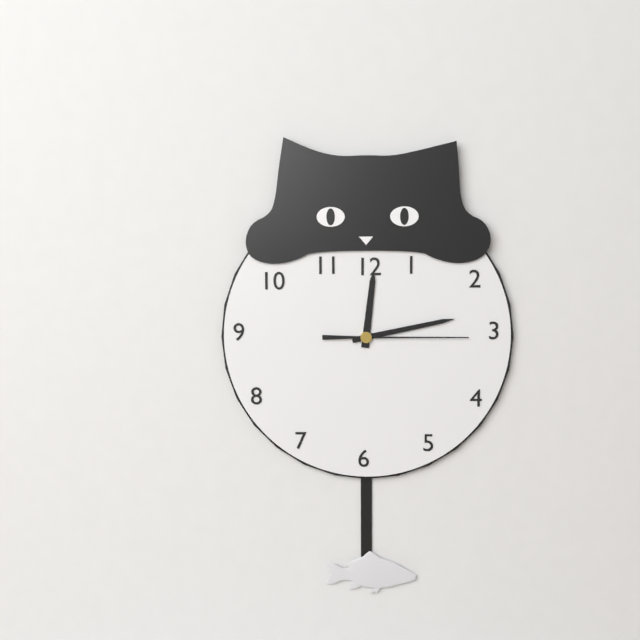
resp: 12,13,15
